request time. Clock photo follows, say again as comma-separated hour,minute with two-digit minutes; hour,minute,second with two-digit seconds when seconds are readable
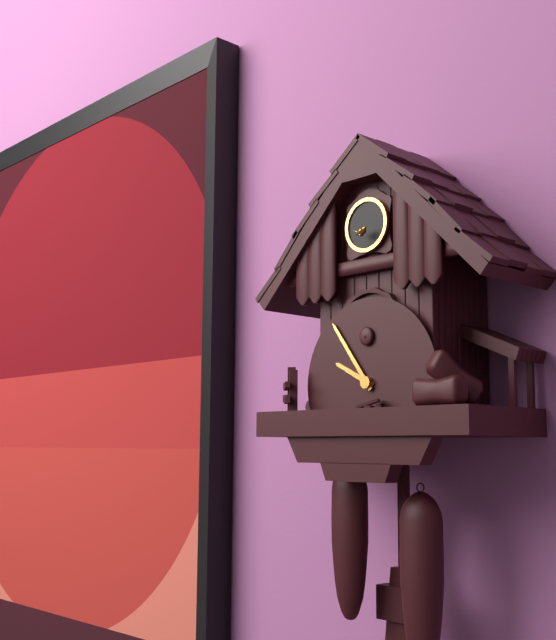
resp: 9,54
